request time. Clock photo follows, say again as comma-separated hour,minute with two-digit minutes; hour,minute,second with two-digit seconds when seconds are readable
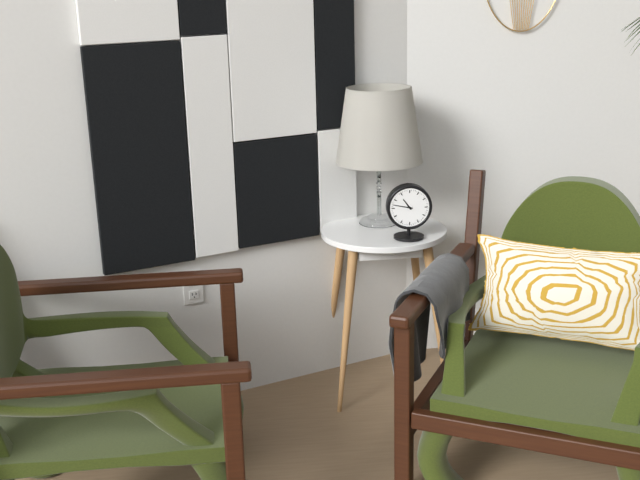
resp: 10,47
